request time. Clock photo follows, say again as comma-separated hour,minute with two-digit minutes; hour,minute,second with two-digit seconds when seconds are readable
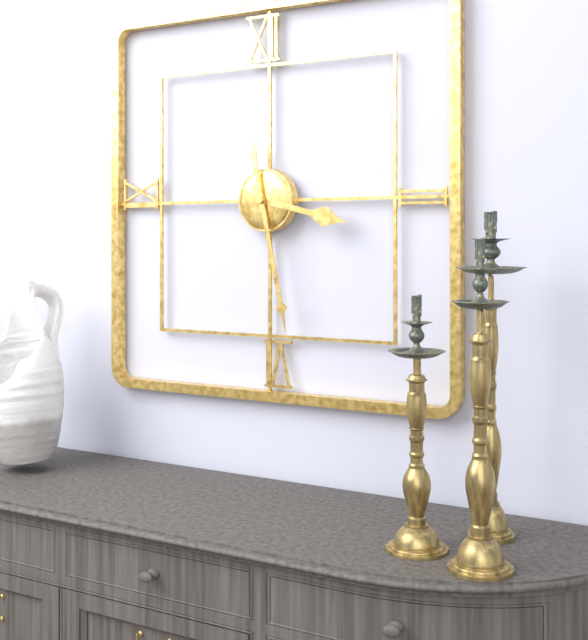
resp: 3,28
